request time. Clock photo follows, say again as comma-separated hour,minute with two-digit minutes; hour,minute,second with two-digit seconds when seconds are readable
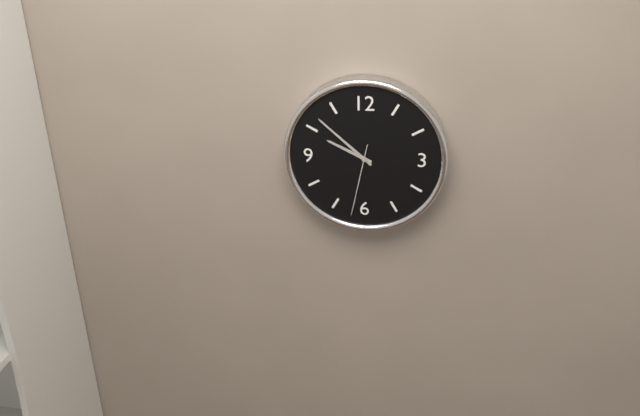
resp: 9,52,32
